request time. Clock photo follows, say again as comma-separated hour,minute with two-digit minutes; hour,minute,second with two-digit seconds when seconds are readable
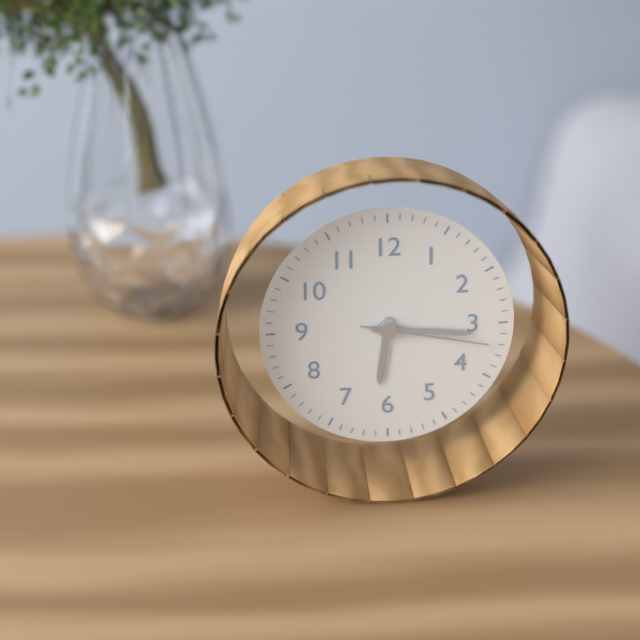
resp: 6,16,17
